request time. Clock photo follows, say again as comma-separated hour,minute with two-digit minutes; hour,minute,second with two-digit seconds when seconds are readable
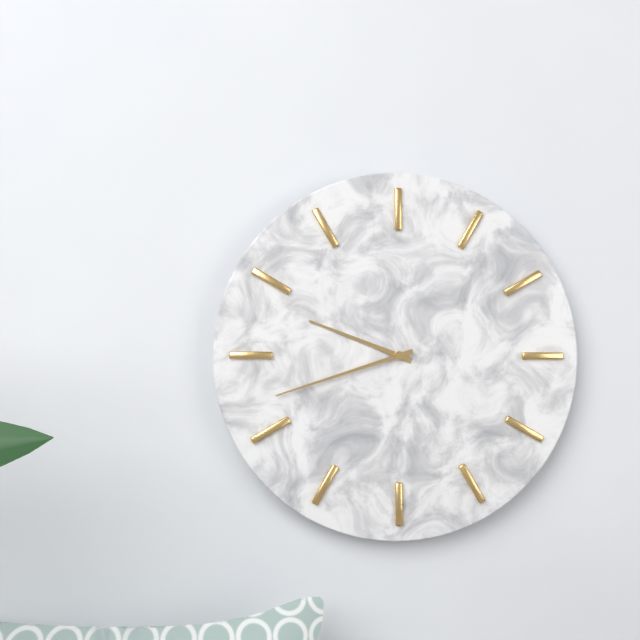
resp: 9,42
